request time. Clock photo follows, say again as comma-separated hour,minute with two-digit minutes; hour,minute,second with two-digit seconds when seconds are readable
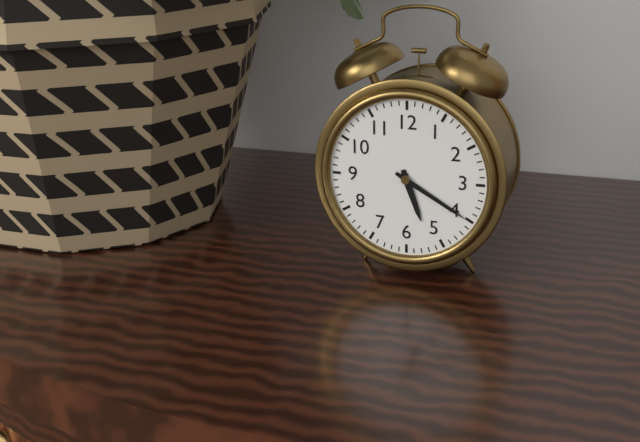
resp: 5,20
